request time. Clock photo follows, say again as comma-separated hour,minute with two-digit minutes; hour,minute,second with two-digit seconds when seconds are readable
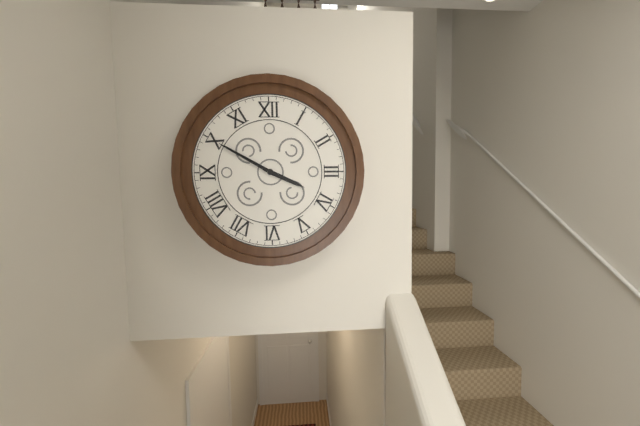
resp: 3,50
